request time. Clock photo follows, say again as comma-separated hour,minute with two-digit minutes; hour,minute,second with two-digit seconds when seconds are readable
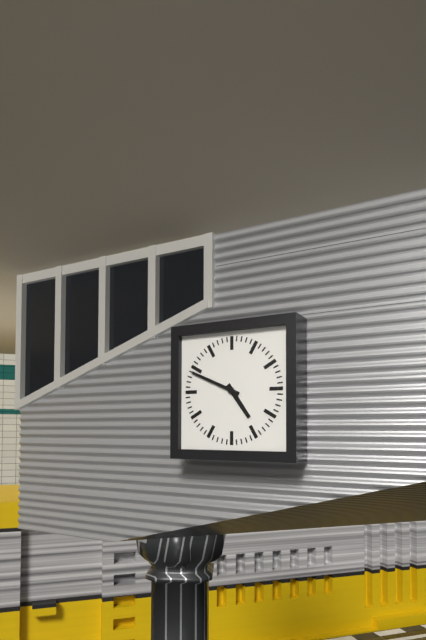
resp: 4,49
